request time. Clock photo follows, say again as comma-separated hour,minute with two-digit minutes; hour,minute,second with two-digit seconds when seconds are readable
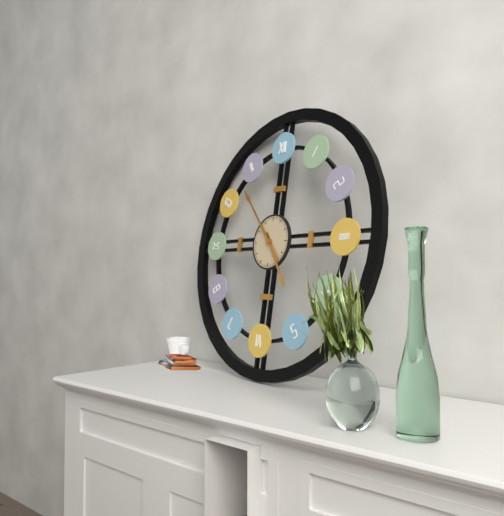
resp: 4,53
